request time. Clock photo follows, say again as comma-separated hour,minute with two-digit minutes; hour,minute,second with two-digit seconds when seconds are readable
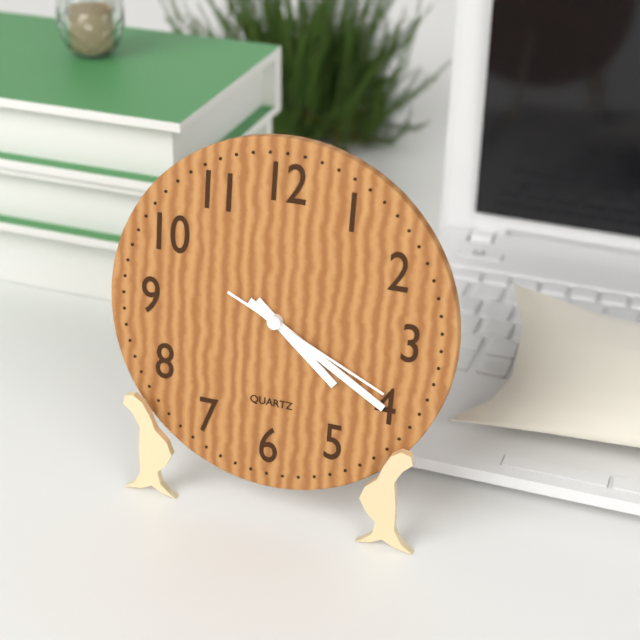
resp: 4,20,19
